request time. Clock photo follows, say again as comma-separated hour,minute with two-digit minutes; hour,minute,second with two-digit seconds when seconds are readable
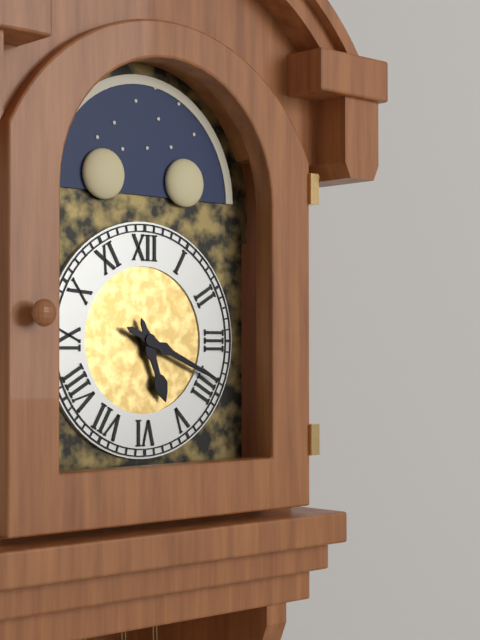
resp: 5,19
